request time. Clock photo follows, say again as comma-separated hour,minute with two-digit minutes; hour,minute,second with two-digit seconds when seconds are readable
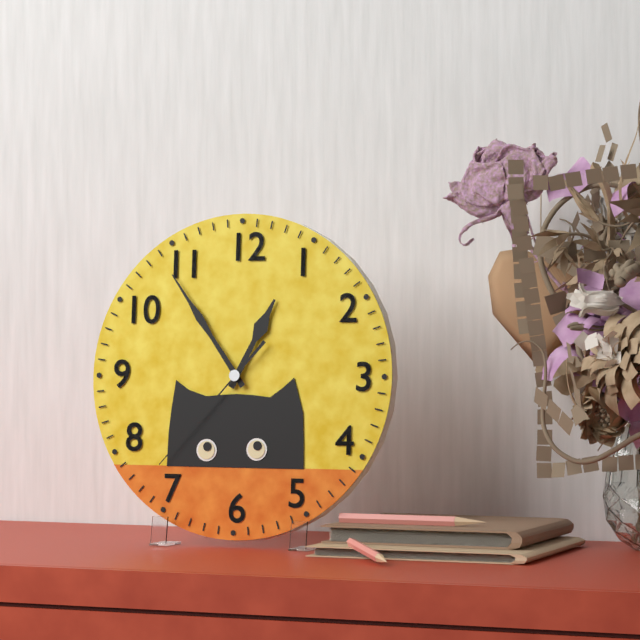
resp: 12,54,37
